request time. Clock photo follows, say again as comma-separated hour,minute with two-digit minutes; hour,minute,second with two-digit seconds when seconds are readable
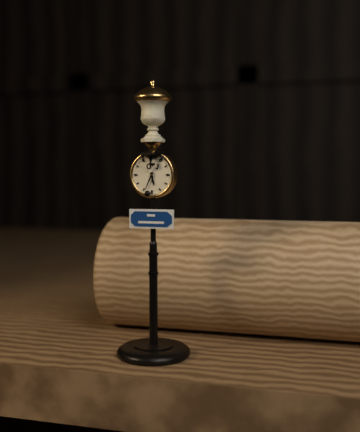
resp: 5,34
